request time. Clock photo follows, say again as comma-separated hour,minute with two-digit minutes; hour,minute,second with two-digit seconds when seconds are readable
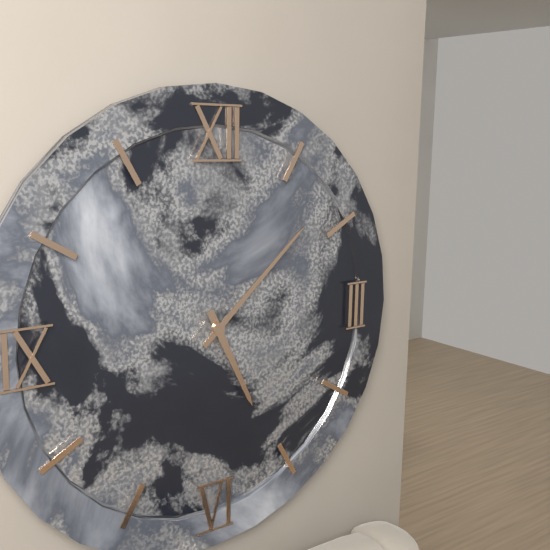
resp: 5,08
